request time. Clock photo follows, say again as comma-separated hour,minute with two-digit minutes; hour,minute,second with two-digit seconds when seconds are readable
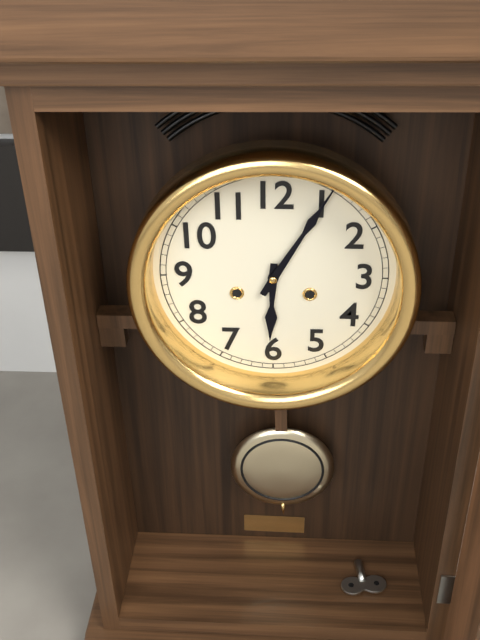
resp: 6,05
